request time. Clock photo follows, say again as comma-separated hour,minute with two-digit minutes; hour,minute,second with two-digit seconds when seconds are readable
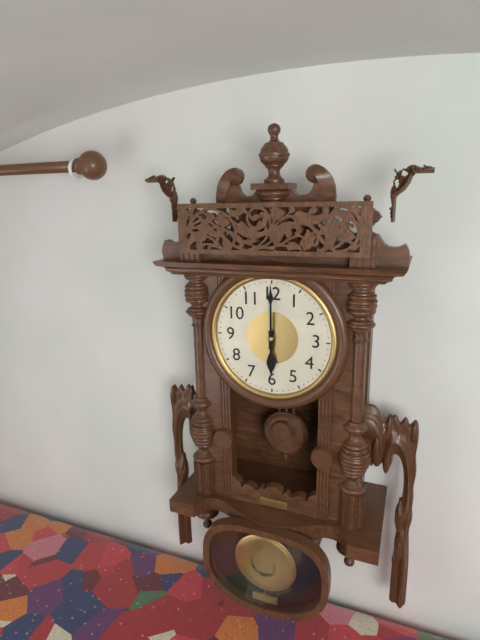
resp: 6,00
